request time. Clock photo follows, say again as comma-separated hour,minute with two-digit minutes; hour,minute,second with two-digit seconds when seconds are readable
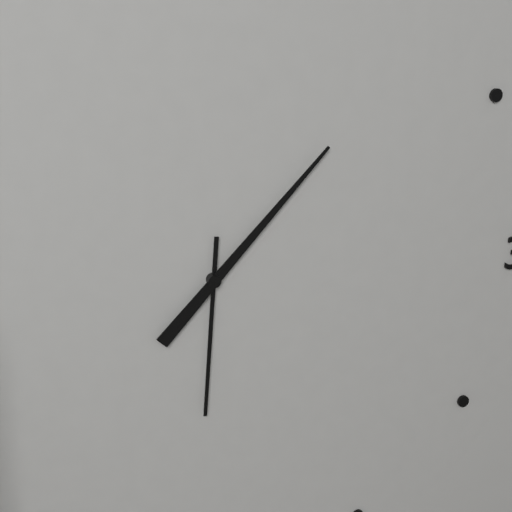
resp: 6,07
